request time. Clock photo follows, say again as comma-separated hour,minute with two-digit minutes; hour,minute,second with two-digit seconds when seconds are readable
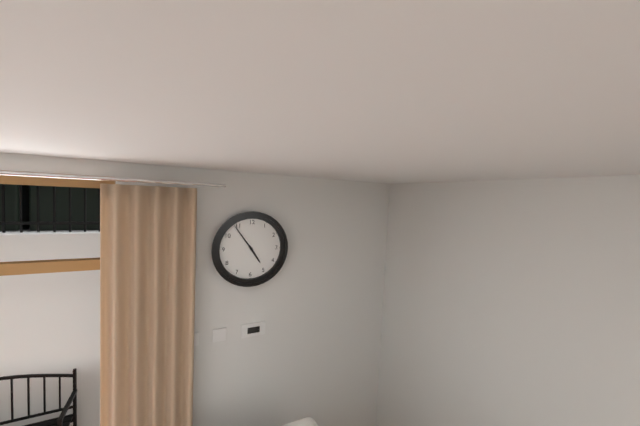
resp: 4,54
